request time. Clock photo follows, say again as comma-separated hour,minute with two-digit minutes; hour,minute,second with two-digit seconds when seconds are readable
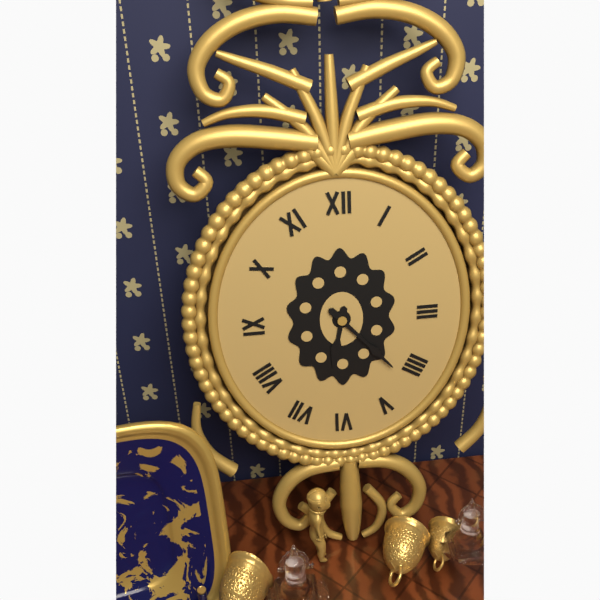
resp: 6,23
